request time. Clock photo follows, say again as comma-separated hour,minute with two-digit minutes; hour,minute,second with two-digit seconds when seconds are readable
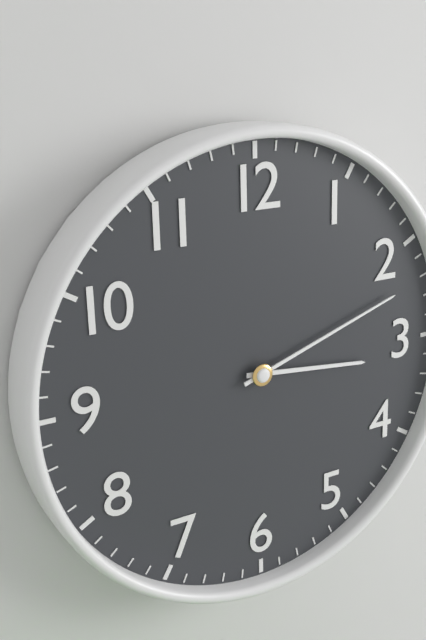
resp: 3,12
